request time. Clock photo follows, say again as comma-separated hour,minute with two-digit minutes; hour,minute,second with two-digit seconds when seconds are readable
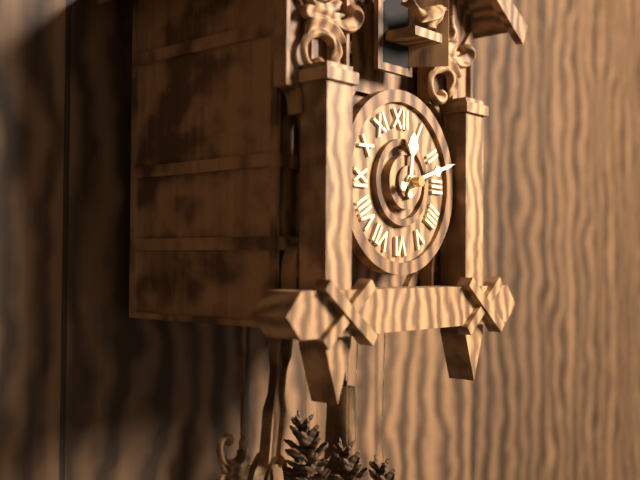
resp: 12,12
